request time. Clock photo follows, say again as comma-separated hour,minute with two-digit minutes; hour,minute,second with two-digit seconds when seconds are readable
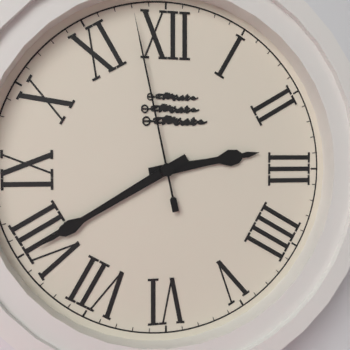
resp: 2,40,58
